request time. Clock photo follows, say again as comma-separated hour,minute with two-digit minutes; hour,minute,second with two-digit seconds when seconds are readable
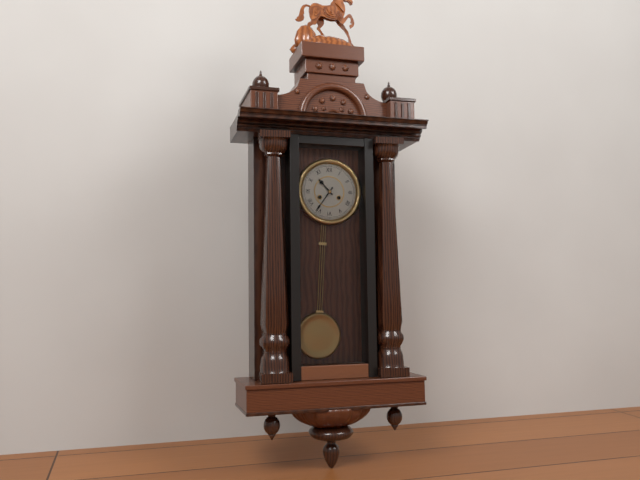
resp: 10,36
